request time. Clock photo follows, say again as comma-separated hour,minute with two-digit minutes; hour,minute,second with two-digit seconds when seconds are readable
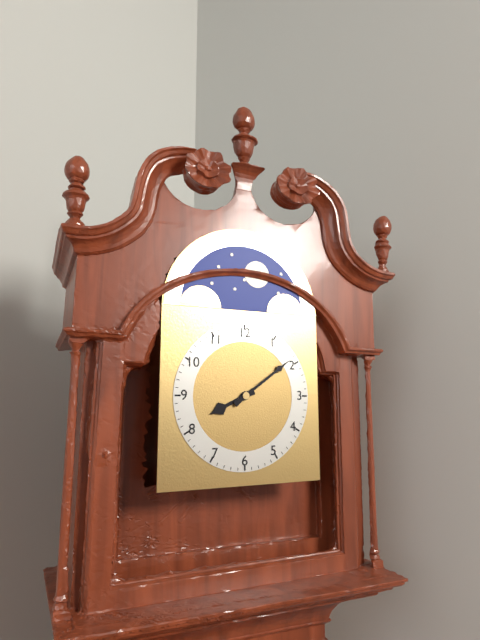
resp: 8,09
